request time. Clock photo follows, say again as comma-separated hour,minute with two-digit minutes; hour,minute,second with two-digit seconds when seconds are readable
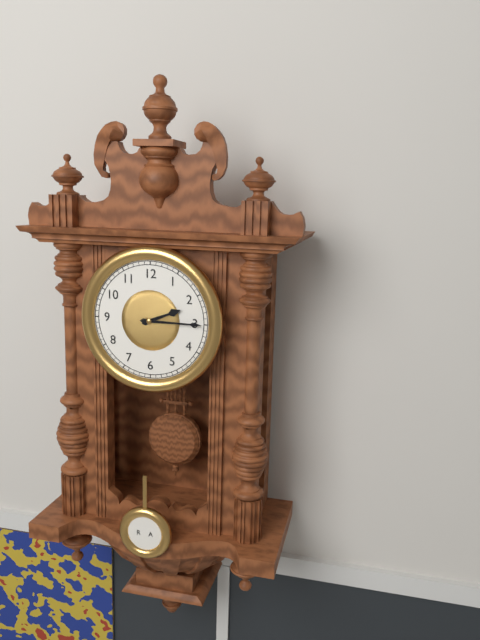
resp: 2,15
